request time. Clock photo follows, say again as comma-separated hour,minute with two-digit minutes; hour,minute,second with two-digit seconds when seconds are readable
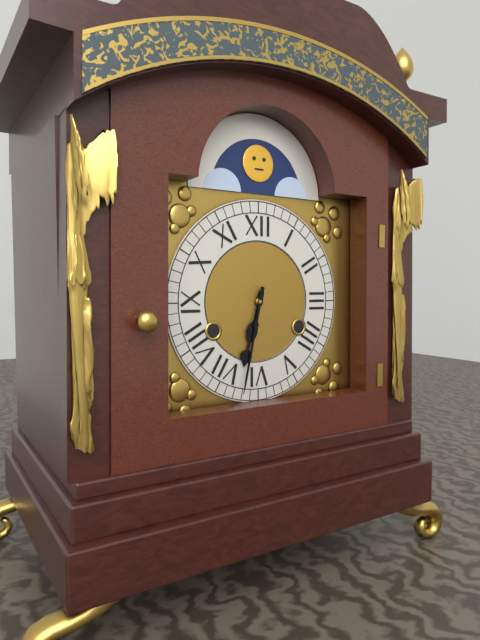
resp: 6,32
